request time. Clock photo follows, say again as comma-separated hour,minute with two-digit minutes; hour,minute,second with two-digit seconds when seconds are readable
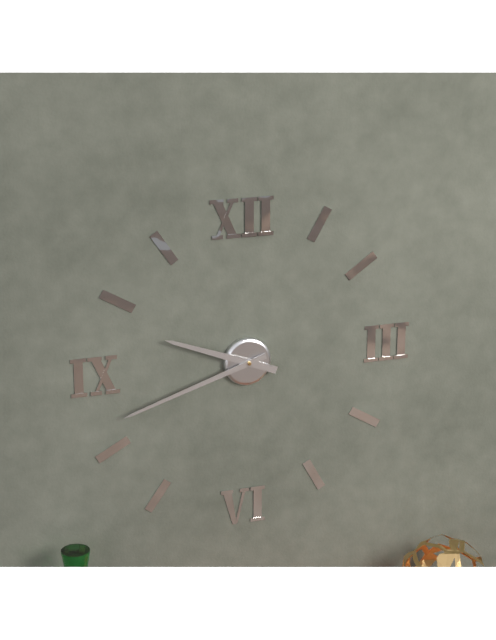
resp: 9,42
